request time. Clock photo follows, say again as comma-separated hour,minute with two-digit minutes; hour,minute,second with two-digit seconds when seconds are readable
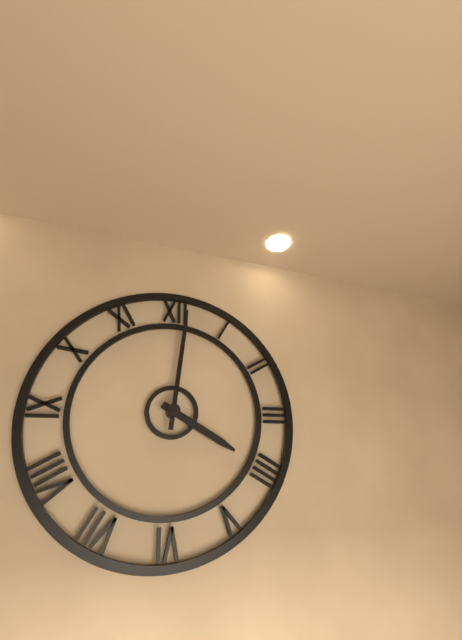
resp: 4,01
